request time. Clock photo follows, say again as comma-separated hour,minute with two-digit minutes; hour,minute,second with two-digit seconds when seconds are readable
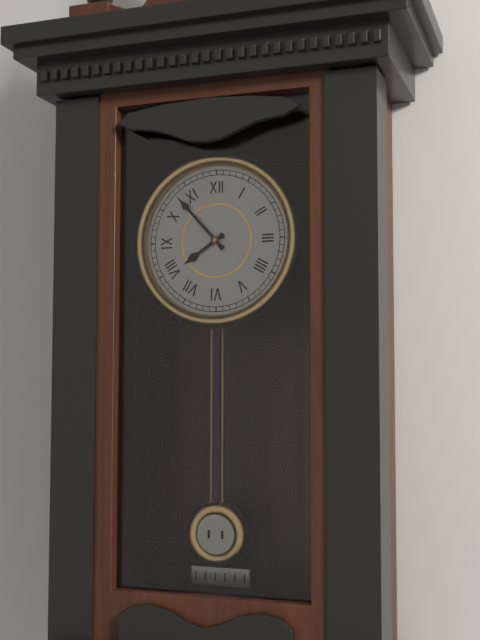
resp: 7,53
